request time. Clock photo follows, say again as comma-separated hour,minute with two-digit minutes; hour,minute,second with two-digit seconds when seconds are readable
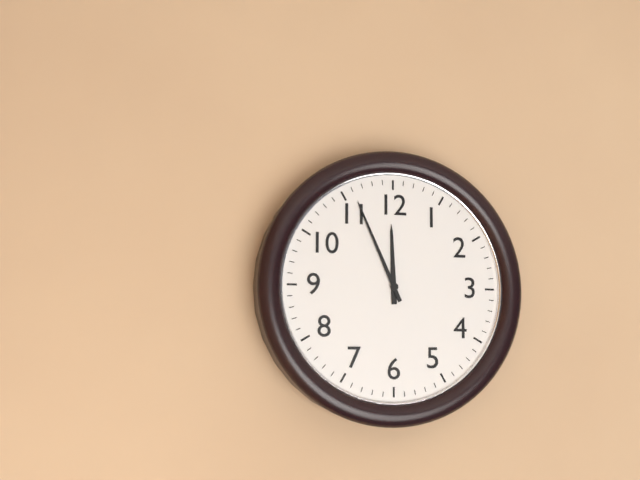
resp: 11,56
